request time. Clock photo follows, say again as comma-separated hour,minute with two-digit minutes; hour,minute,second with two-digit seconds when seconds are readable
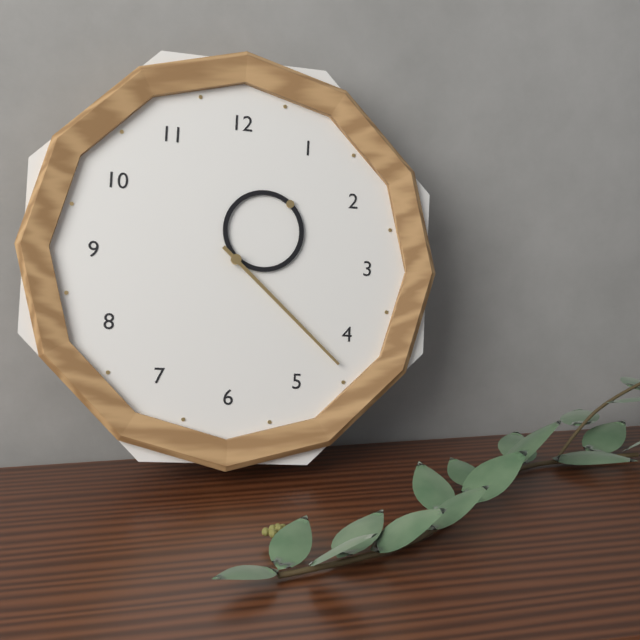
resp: 1,22
